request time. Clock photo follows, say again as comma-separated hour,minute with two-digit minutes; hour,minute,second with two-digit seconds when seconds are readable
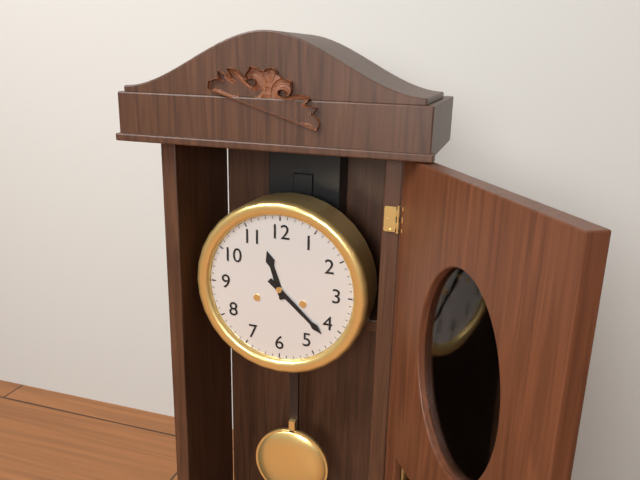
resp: 11,22
